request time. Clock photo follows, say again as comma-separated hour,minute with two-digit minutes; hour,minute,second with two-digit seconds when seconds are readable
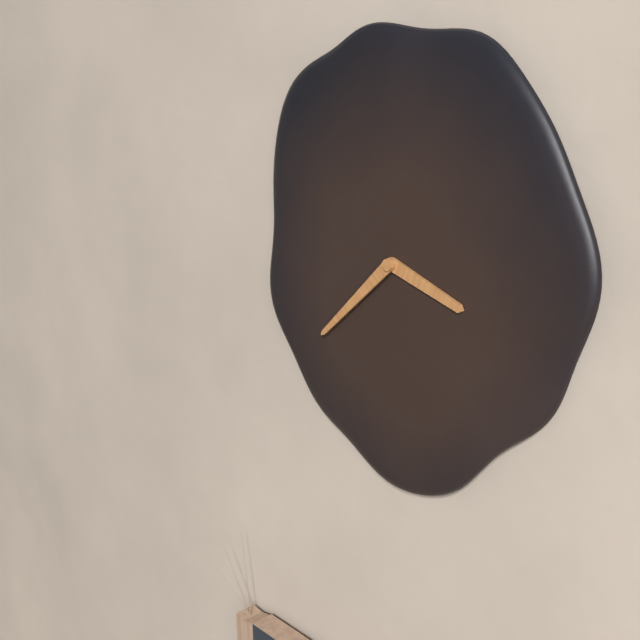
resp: 3,38
